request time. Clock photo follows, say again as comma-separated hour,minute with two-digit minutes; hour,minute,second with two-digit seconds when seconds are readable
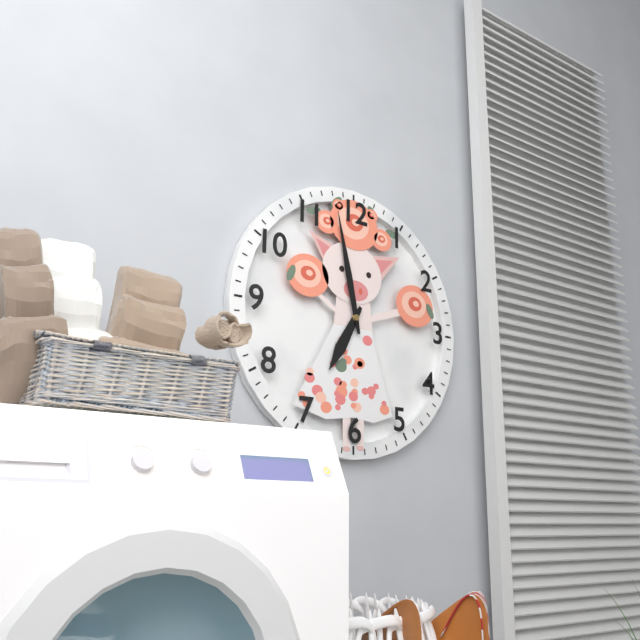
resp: 6,58
